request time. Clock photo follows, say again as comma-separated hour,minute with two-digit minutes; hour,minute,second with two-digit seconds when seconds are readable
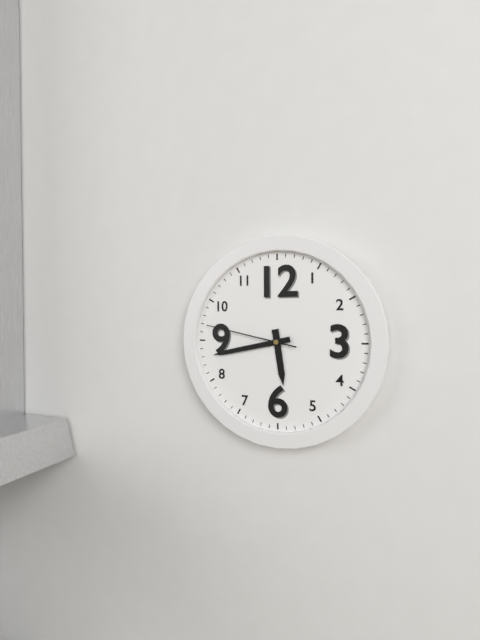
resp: 5,43,47
